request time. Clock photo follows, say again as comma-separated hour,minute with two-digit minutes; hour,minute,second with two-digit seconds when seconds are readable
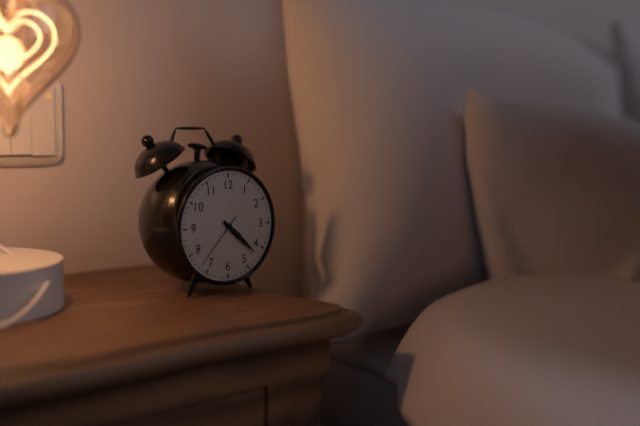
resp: 4,22,37
